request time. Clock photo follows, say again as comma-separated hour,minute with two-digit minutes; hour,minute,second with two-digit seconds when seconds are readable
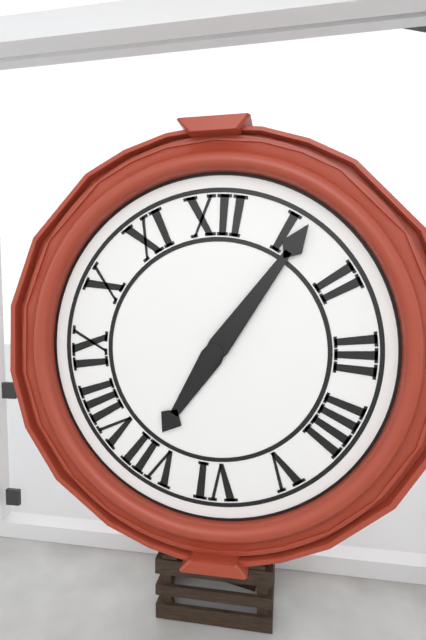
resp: 7,06
